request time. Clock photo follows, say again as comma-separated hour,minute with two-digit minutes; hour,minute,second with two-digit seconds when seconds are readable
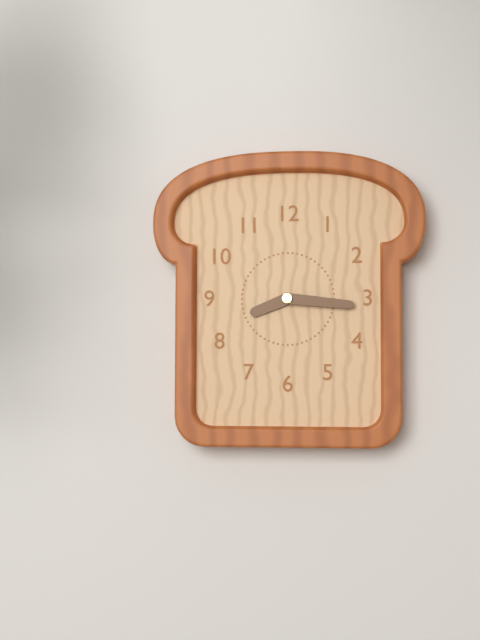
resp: 8,16
